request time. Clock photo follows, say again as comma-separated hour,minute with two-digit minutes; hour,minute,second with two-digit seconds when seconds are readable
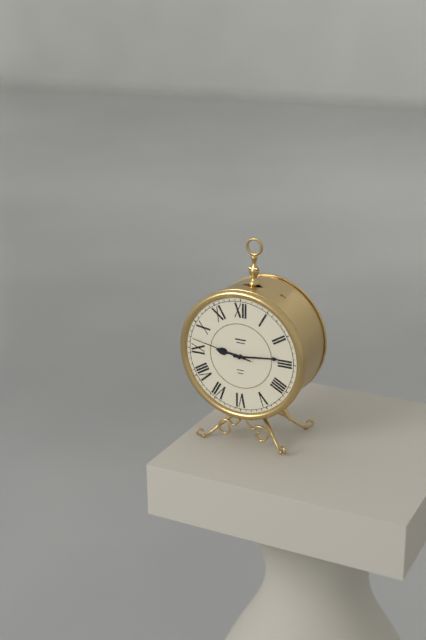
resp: 9,14,47
